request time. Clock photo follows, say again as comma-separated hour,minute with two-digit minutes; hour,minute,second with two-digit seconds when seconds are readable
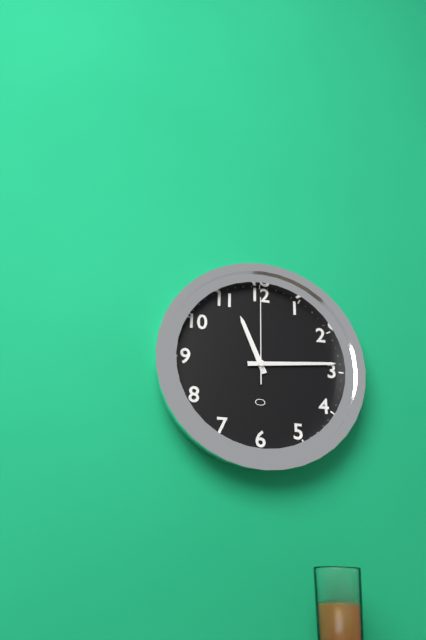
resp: 11,14,00
